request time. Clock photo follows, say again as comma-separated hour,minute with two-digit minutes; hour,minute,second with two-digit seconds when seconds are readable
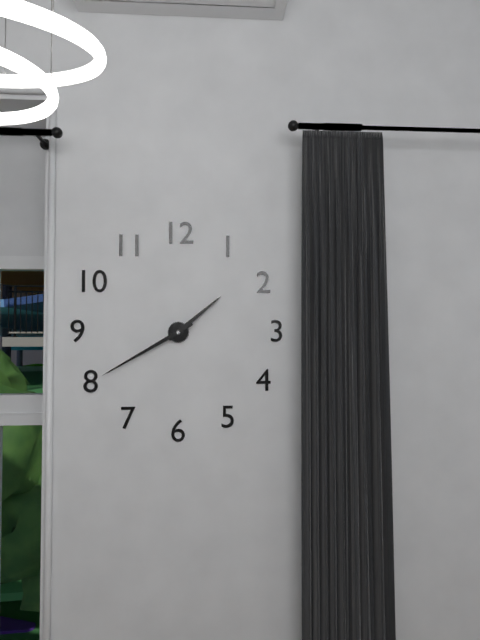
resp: 1,40
